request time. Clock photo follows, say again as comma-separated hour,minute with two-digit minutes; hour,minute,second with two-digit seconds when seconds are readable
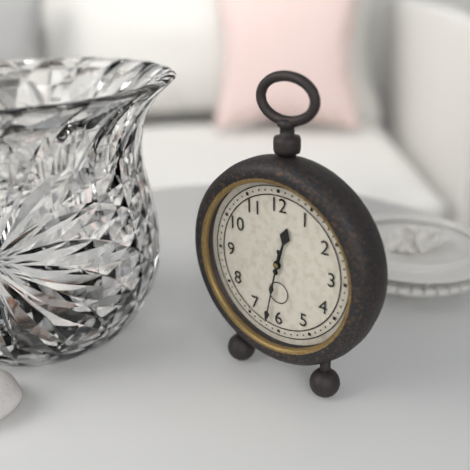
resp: 12,32
